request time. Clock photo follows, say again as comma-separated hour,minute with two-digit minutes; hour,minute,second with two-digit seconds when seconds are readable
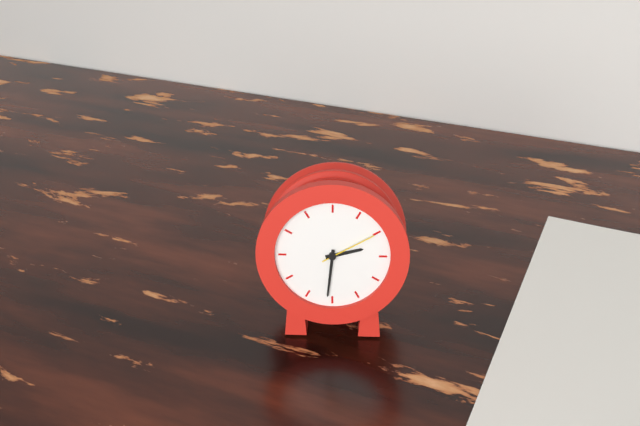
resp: 2,31,10
